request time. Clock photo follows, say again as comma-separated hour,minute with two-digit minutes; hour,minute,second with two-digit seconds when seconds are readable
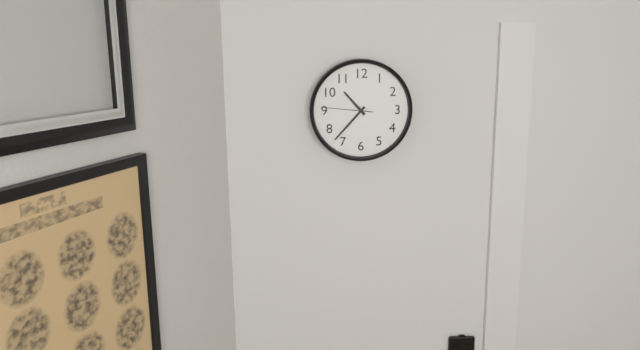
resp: 10,37,46
